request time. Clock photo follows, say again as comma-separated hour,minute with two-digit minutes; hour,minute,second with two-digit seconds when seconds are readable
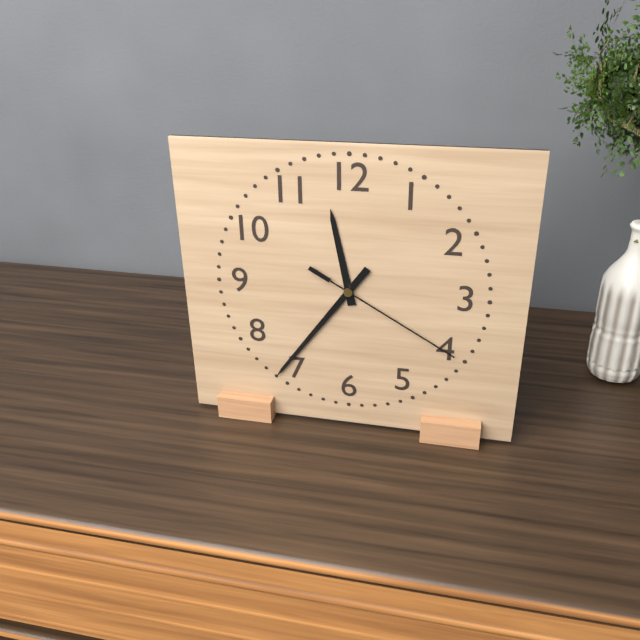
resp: 11,36,20
